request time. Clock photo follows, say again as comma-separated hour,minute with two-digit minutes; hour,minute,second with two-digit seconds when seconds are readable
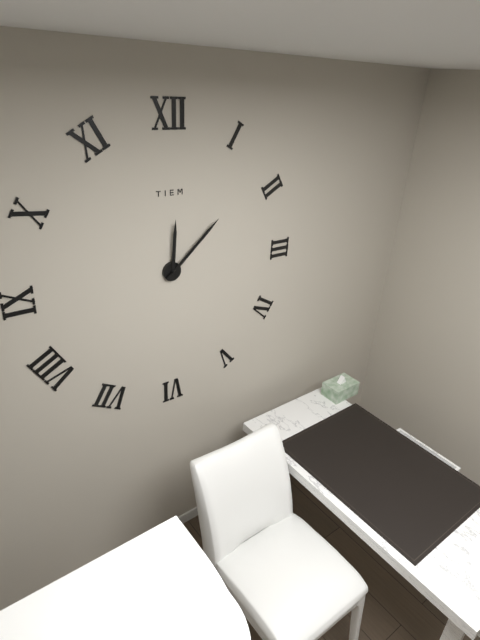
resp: 12,08
